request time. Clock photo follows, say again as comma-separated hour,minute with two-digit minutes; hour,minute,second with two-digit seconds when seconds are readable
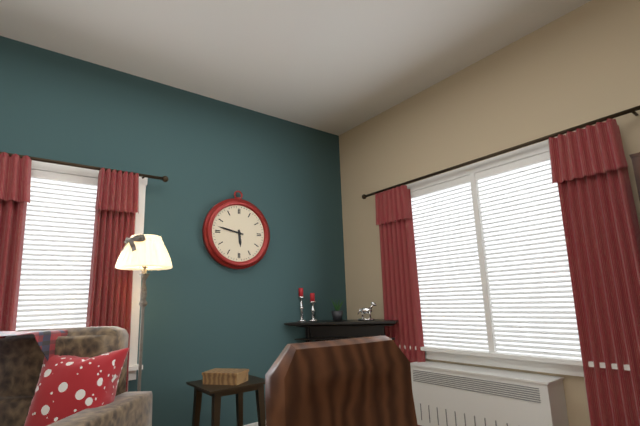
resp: 5,47
